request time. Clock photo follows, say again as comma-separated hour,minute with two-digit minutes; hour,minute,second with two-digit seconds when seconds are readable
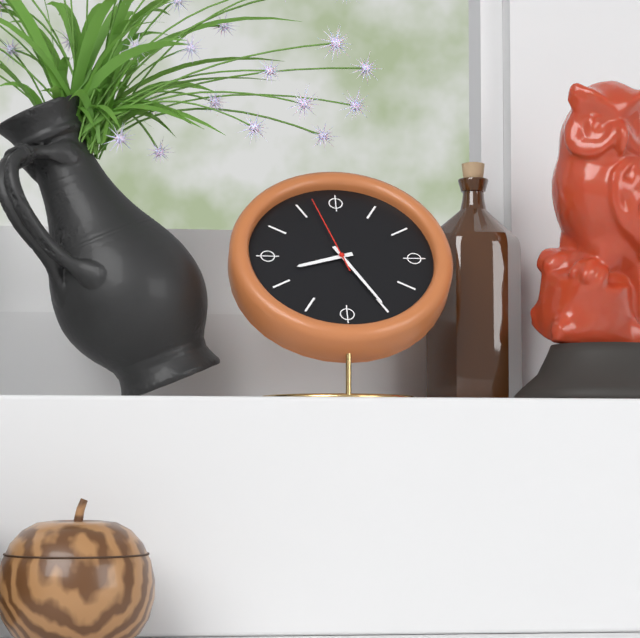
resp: 8,25,57
